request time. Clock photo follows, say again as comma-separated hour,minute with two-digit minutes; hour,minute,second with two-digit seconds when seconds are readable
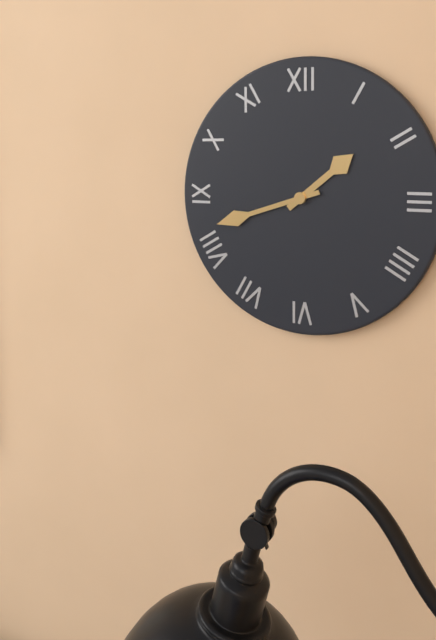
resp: 1,42
